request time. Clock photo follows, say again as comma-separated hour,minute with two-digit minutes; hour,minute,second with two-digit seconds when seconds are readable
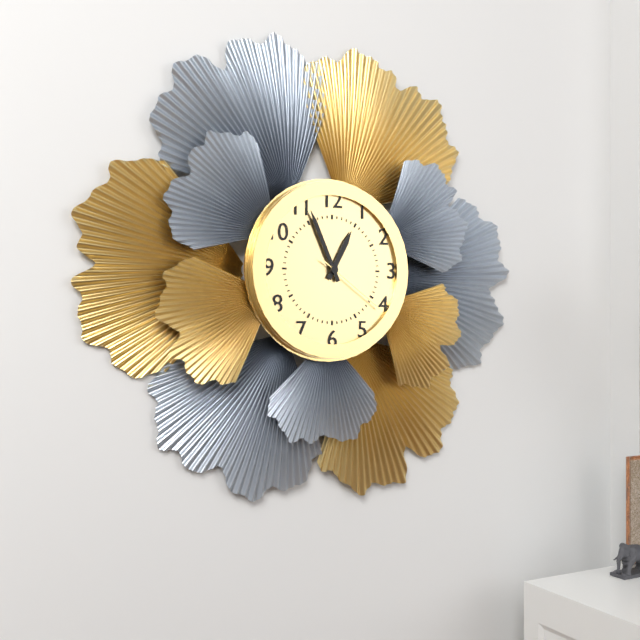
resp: 12,56,21
